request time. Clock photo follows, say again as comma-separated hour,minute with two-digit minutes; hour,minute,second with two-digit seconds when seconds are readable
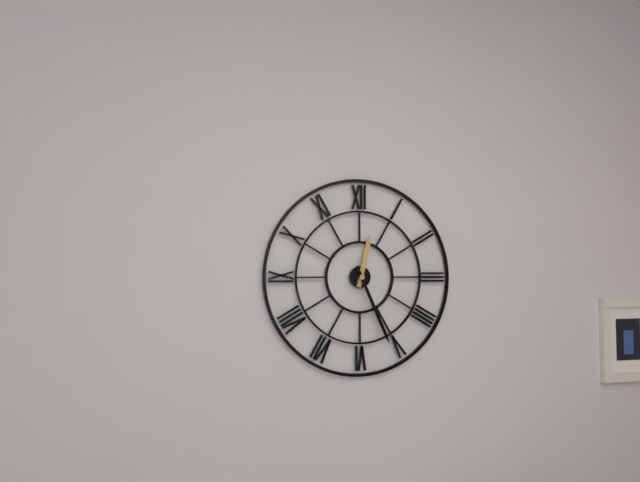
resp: 12,26
